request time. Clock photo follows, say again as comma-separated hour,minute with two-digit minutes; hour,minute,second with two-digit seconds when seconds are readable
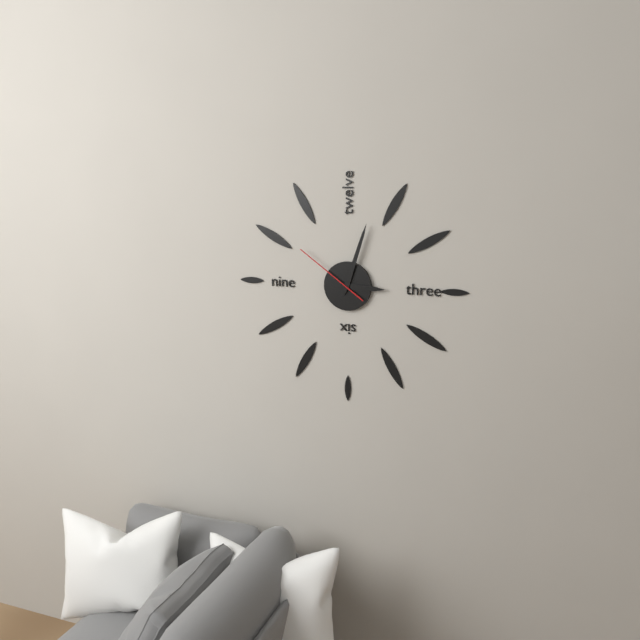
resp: 3,03,51
